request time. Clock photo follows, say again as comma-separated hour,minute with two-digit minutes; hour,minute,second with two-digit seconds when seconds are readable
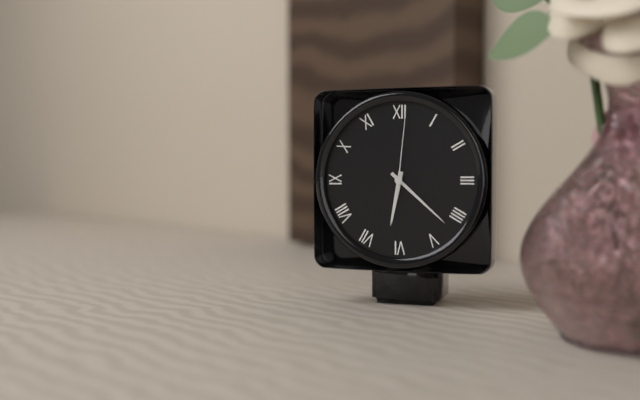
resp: 6,22,01
